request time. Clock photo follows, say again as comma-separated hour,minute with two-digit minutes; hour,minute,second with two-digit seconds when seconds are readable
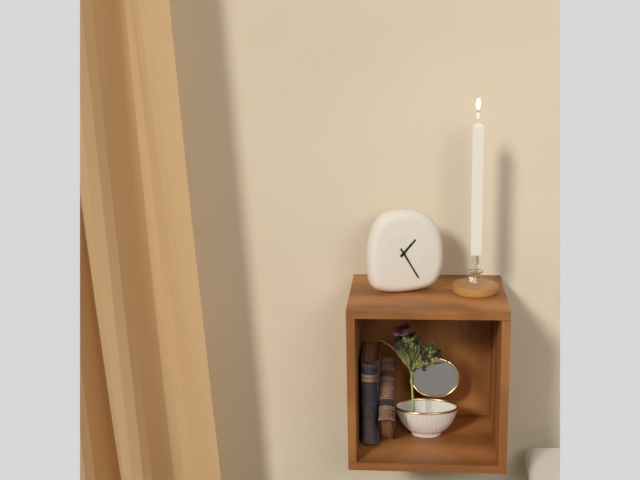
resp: 1,25
